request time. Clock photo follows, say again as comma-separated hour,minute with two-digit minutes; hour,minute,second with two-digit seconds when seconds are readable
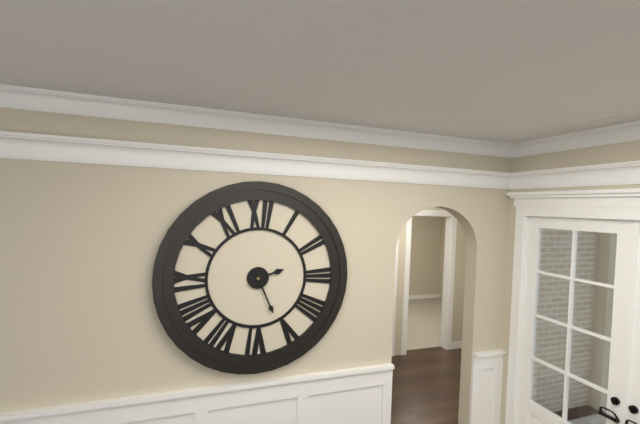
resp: 2,26
